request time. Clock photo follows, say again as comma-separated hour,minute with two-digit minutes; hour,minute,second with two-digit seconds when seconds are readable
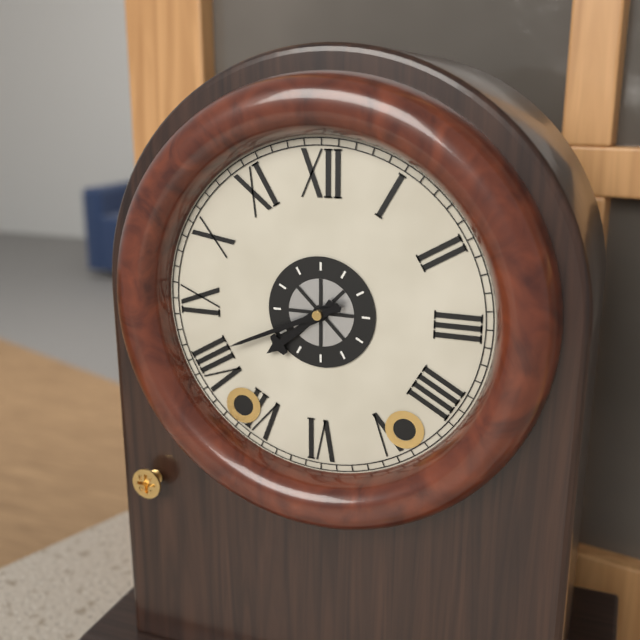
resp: 7,41
